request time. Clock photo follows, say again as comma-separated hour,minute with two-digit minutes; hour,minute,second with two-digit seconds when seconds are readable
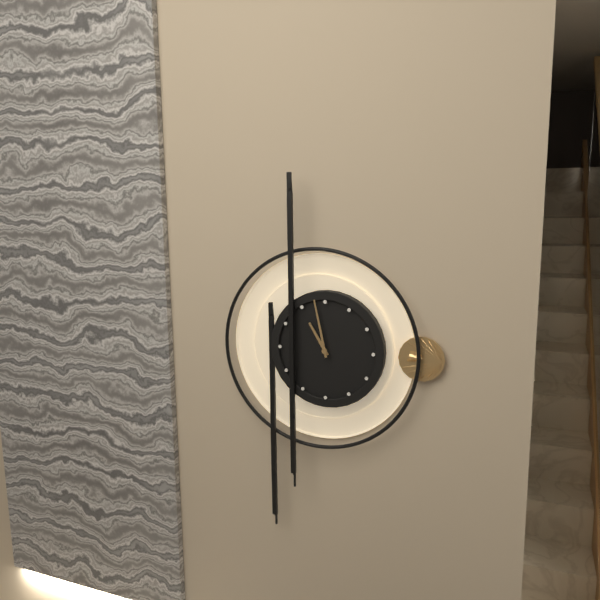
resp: 10,58
